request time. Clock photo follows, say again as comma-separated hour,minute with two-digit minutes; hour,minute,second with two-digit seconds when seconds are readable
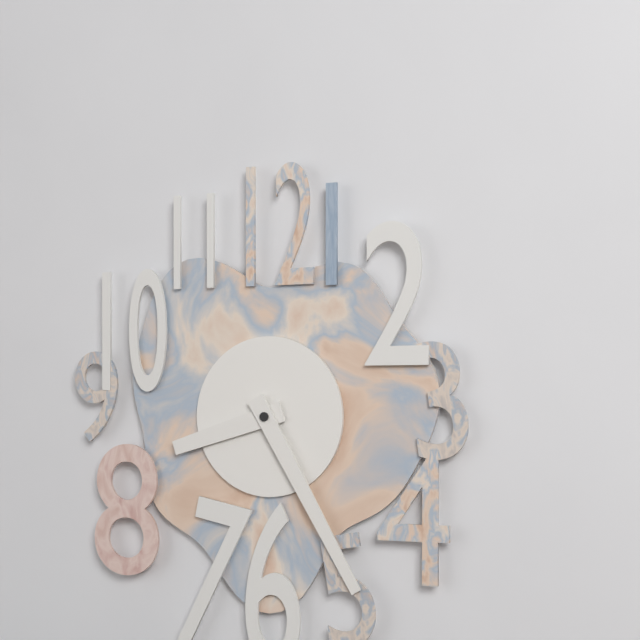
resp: 8,25
